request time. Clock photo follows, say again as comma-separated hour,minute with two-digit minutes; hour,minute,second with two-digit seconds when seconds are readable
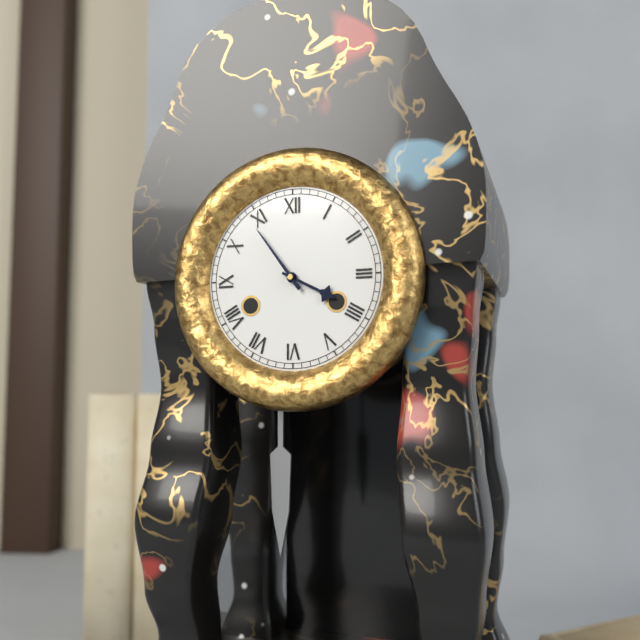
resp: 3,54
